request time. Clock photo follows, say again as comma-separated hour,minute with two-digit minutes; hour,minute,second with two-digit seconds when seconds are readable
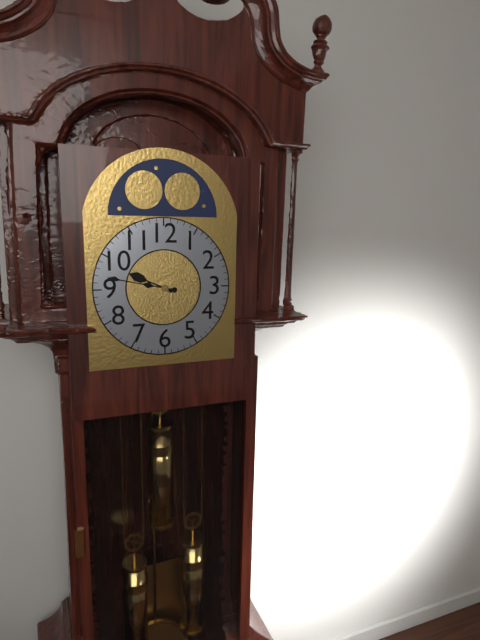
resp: 9,47
